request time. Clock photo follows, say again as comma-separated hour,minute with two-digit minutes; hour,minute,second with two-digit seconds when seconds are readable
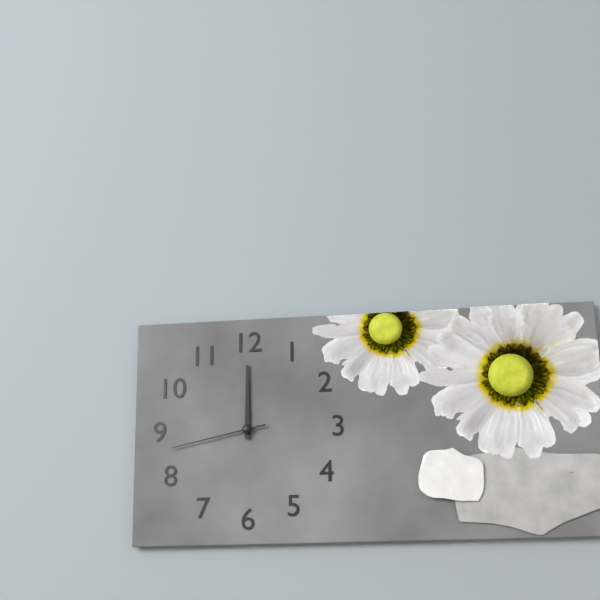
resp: 12,00,43
